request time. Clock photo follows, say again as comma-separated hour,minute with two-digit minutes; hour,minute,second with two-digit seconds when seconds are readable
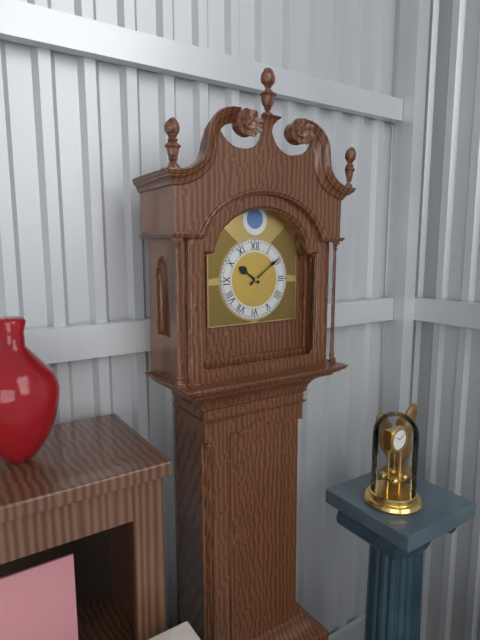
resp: 10,09
